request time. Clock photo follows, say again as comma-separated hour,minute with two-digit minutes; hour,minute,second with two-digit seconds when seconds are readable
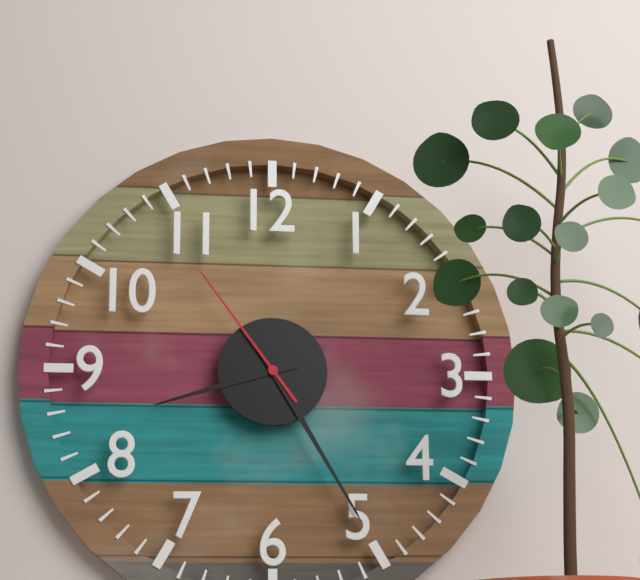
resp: 8,25,54
